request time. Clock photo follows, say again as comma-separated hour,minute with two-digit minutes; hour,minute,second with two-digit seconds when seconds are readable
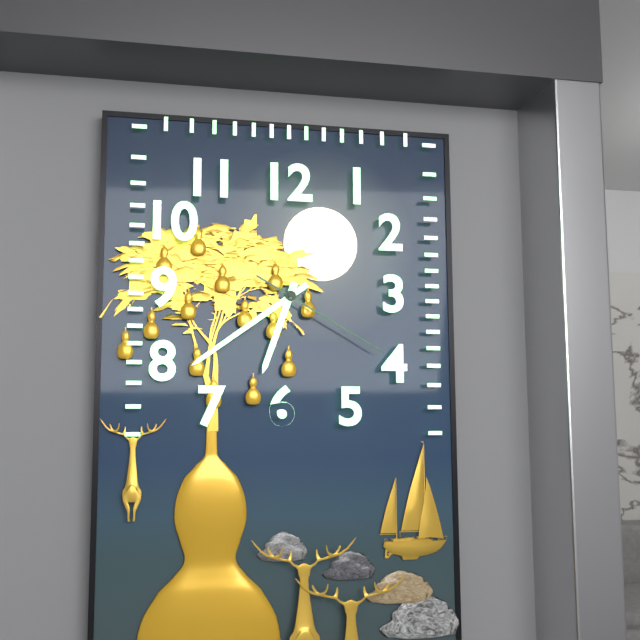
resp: 6,39,20
